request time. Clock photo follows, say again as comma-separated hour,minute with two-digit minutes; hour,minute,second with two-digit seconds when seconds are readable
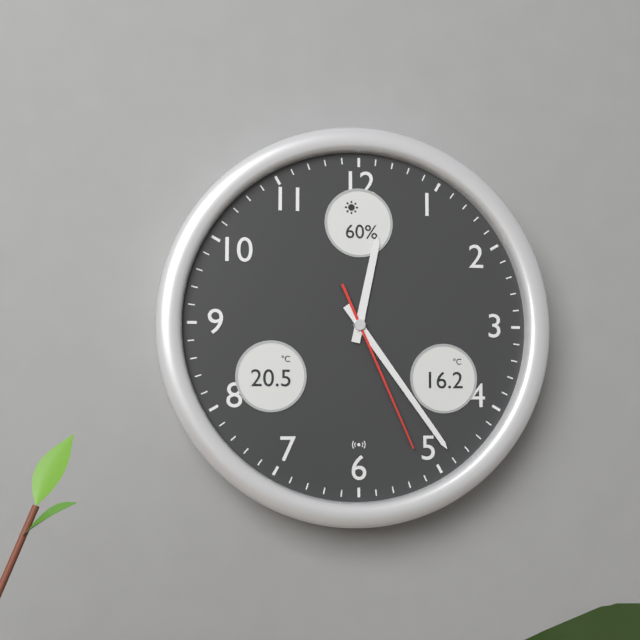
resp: 12,24,26
